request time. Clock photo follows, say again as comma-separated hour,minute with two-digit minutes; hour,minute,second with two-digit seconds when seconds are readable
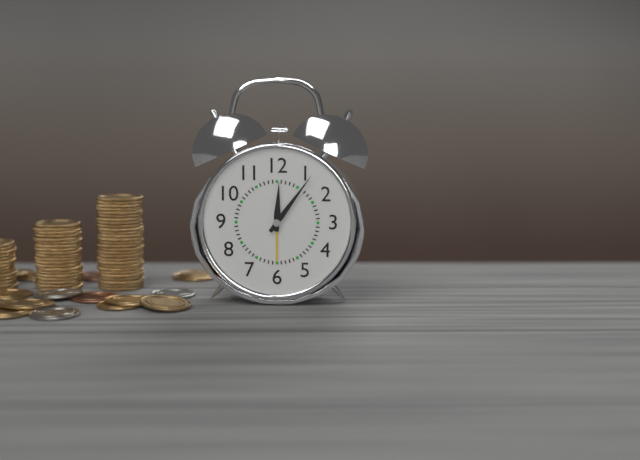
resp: 12,06
